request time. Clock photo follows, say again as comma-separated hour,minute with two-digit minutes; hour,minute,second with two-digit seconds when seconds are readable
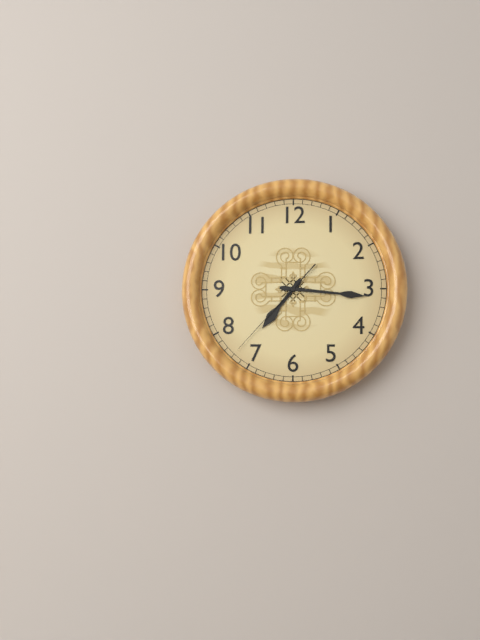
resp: 7,16,37
